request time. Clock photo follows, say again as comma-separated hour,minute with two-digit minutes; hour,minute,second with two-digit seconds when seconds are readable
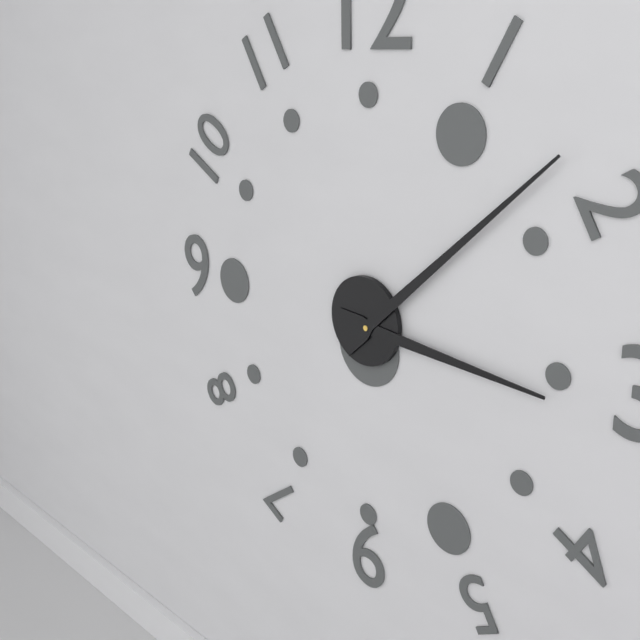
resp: 3,08
